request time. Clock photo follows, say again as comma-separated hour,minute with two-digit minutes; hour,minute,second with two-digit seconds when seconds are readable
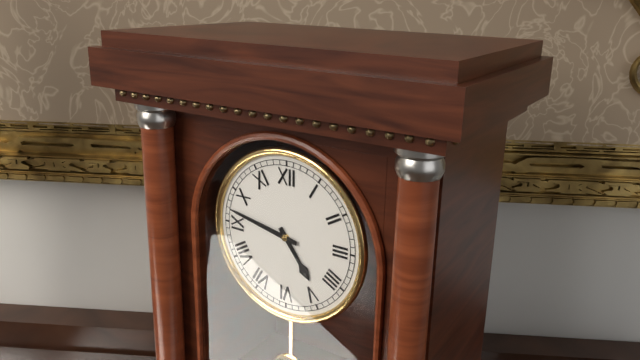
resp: 4,47
